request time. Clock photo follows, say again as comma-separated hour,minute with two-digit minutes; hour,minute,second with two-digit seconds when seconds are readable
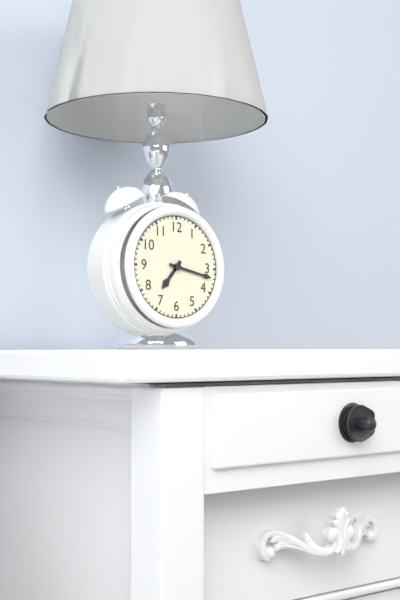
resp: 7,17
